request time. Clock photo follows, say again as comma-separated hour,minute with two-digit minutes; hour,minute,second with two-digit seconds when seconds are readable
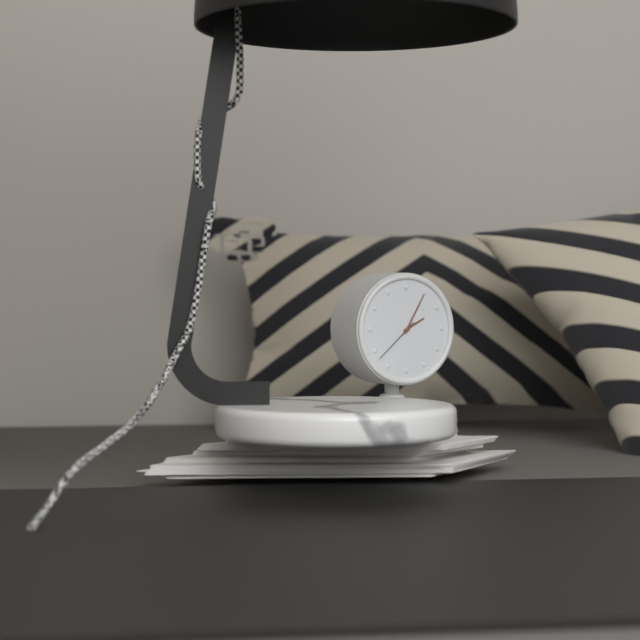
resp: 2,05,38
